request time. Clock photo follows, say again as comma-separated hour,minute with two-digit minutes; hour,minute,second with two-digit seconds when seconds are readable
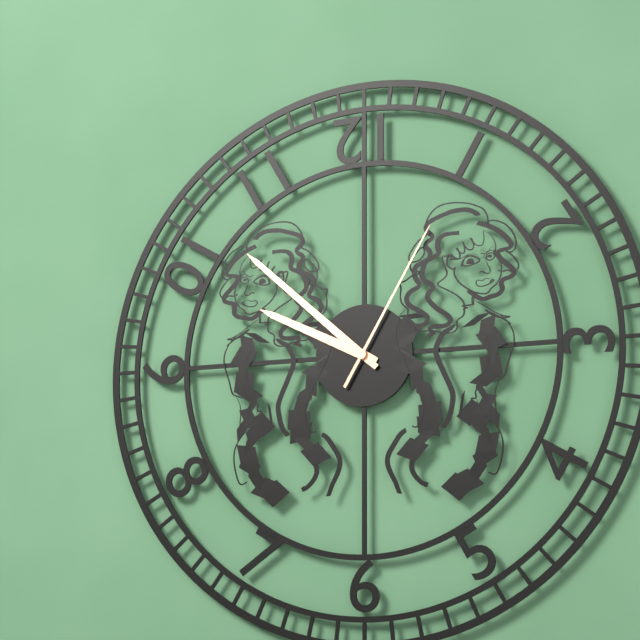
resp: 9,52,05
